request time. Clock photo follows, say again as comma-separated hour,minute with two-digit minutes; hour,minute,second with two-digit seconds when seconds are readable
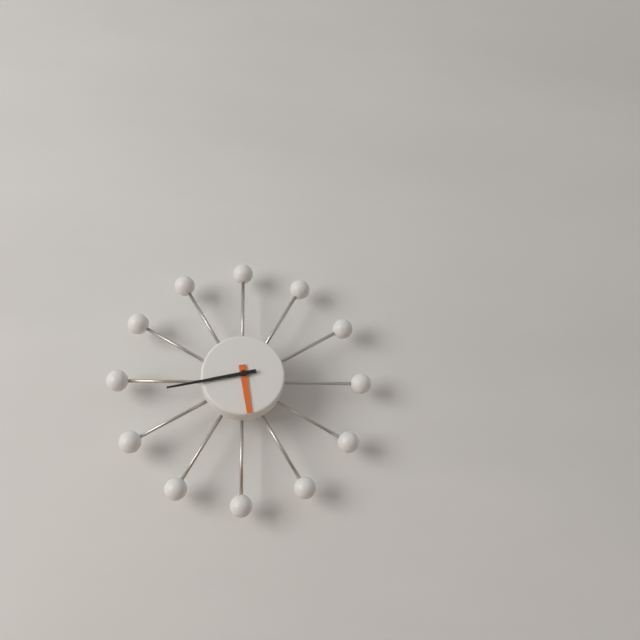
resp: 5,43
